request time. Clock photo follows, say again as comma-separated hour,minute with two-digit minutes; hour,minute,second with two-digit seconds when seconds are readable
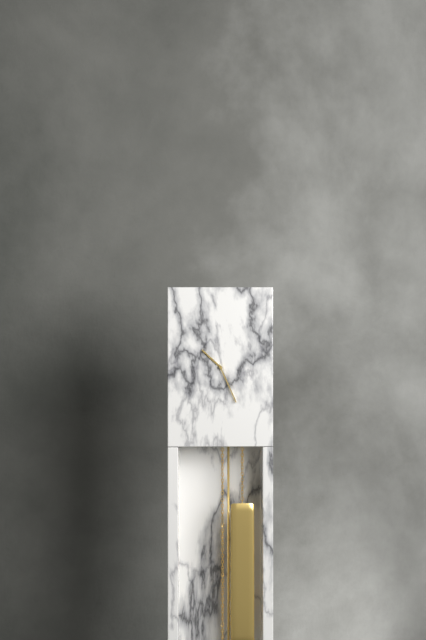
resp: 10,26
